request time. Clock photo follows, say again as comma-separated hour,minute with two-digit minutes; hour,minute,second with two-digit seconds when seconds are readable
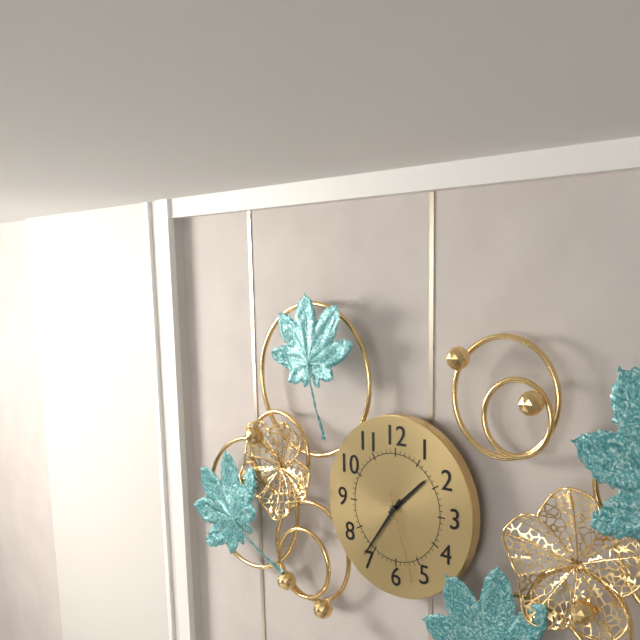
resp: 1,36,27
